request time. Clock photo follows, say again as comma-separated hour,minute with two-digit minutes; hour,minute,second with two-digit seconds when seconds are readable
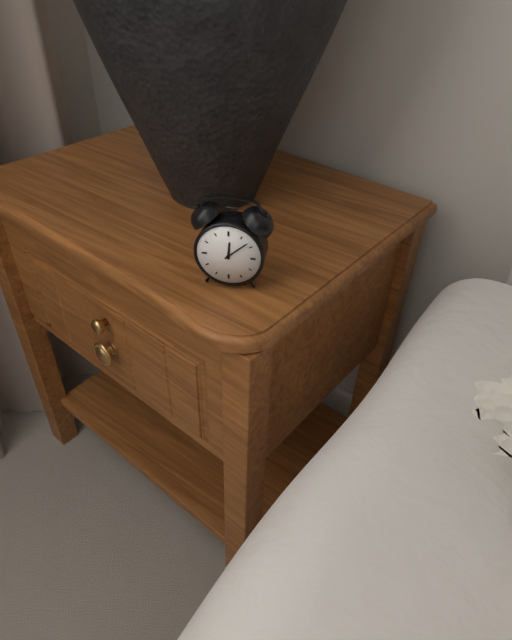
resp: 12,08
